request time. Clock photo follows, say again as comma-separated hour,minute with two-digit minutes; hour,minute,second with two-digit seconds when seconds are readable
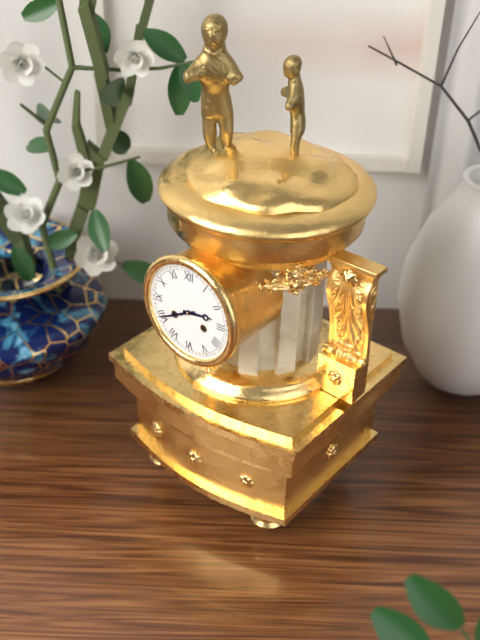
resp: 2,40
